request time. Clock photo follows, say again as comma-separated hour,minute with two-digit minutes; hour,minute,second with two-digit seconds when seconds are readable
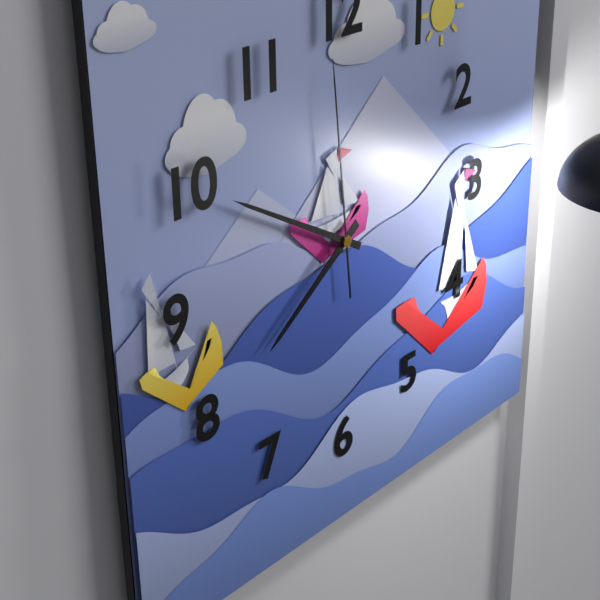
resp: 7,50,59
